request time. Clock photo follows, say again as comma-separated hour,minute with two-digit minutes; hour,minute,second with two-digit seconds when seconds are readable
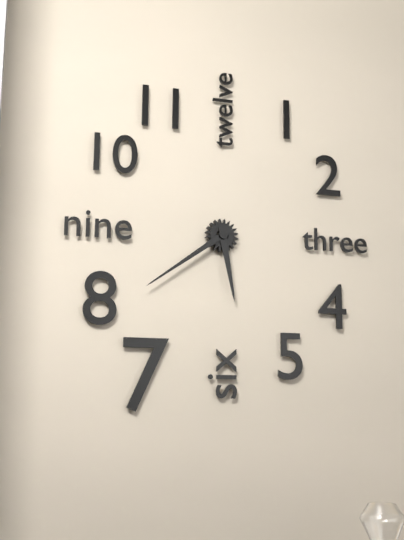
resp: 5,39
